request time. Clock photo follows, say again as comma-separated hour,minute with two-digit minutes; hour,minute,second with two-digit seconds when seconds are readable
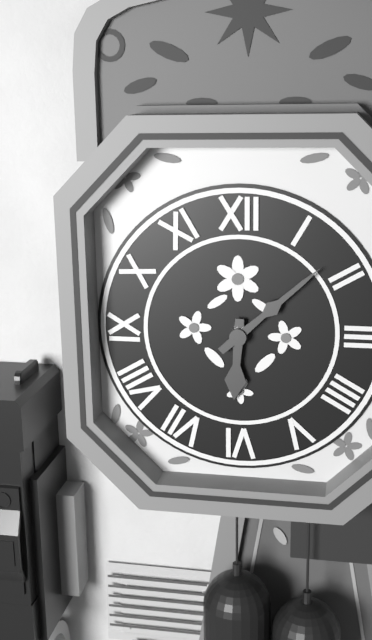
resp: 6,08
